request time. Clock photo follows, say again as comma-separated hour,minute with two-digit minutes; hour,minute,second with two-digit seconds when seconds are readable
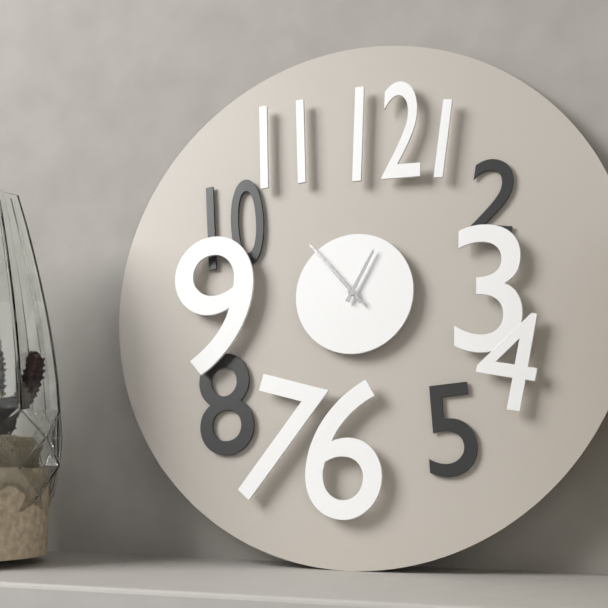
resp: 12,53
